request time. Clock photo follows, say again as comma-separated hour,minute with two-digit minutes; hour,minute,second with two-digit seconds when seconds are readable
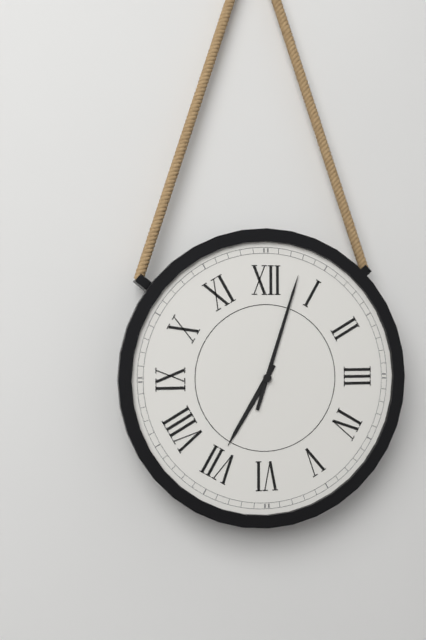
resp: 7,03
